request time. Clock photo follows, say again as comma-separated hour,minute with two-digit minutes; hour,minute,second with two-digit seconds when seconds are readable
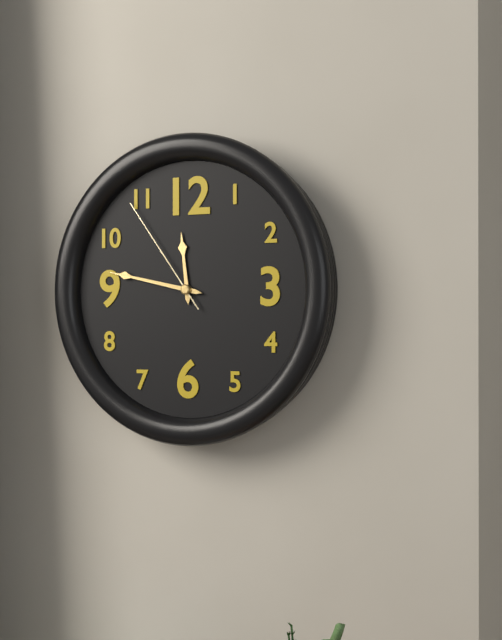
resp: 11,47,54
